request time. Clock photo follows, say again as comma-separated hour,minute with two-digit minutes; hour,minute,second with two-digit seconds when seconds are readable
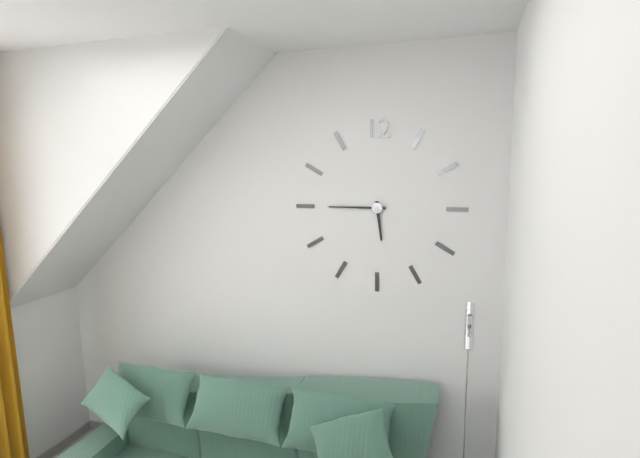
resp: 5,45
